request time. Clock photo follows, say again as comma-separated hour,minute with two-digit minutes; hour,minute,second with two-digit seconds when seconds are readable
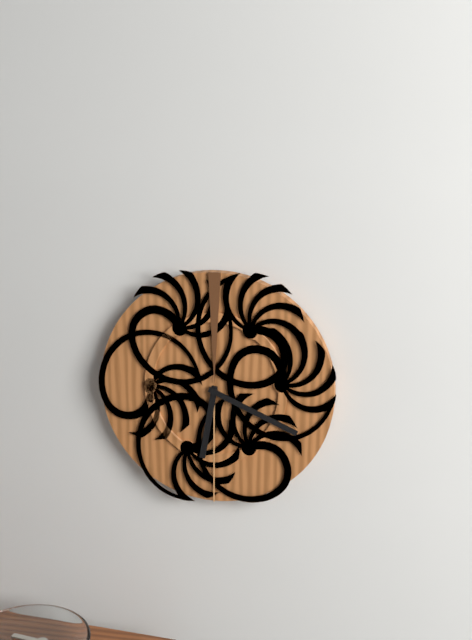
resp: 6,19
